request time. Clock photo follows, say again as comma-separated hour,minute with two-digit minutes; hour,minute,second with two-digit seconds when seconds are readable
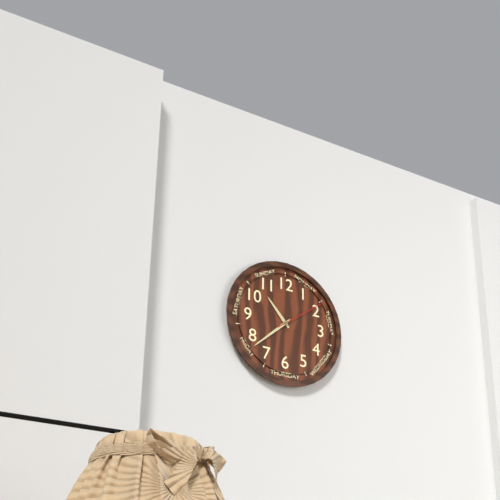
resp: 10,38,09
